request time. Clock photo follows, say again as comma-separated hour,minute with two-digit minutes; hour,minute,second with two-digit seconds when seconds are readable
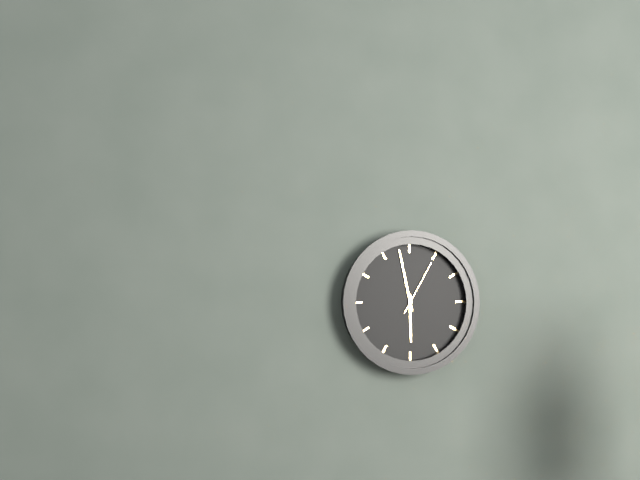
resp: 5,58,05
